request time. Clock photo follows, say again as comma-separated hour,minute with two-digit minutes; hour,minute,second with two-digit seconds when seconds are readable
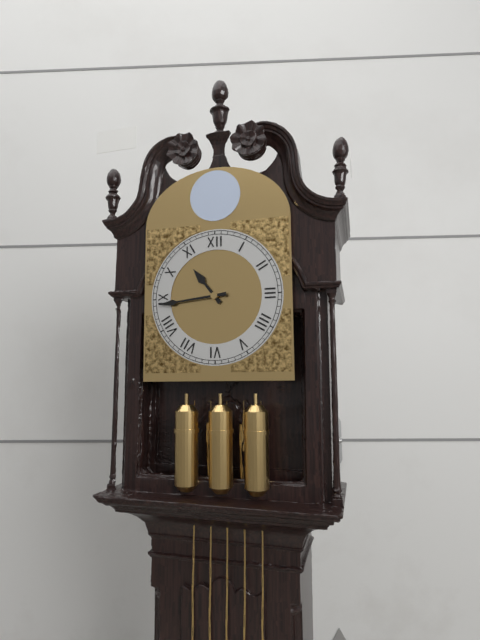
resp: 10,44
